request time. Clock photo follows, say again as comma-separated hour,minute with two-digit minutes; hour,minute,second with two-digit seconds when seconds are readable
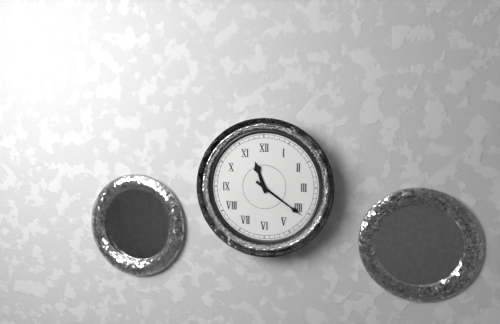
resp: 11,21
